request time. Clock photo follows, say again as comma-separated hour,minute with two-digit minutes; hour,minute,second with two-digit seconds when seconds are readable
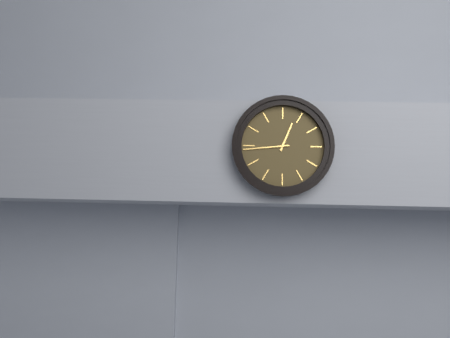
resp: 12,44
